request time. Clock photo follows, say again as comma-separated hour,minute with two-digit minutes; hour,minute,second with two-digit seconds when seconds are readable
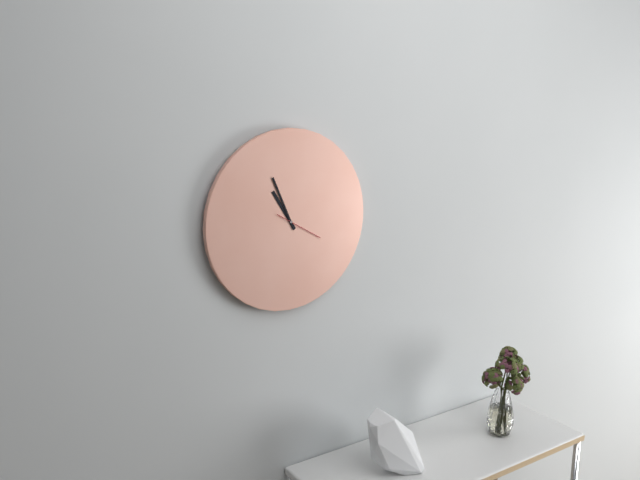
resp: 10,56
